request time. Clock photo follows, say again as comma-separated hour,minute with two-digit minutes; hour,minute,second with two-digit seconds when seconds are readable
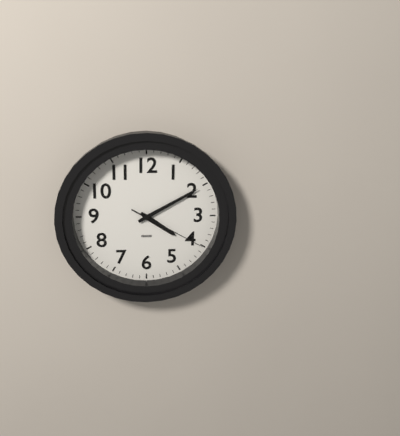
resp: 4,10,20
